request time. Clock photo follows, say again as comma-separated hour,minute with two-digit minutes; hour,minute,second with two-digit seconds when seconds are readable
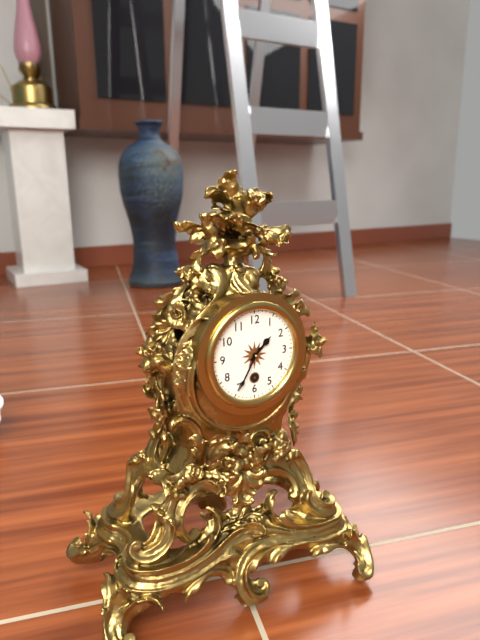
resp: 1,35
